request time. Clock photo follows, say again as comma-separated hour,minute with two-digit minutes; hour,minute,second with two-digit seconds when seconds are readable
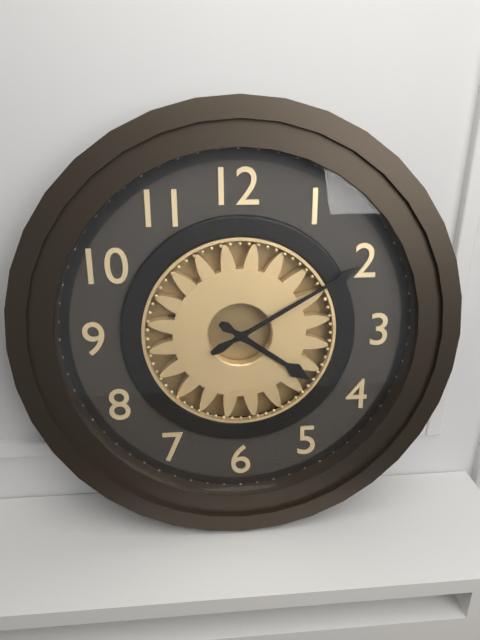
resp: 4,10
